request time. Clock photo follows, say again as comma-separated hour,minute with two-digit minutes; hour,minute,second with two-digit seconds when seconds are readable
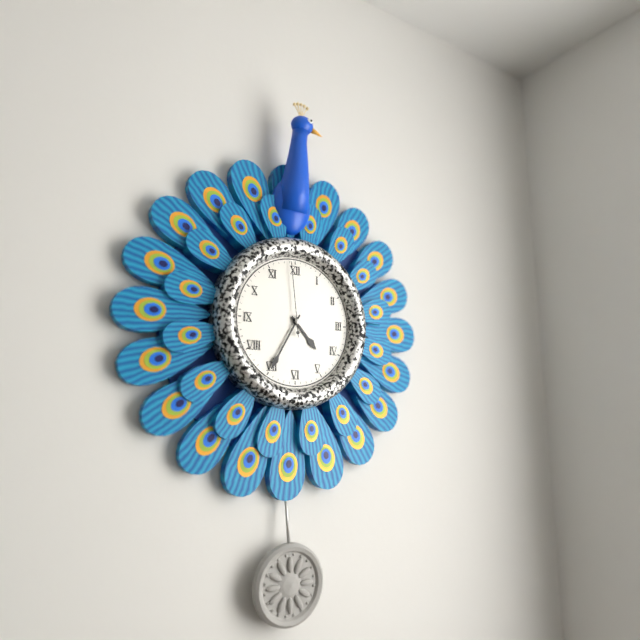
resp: 4,35,59
